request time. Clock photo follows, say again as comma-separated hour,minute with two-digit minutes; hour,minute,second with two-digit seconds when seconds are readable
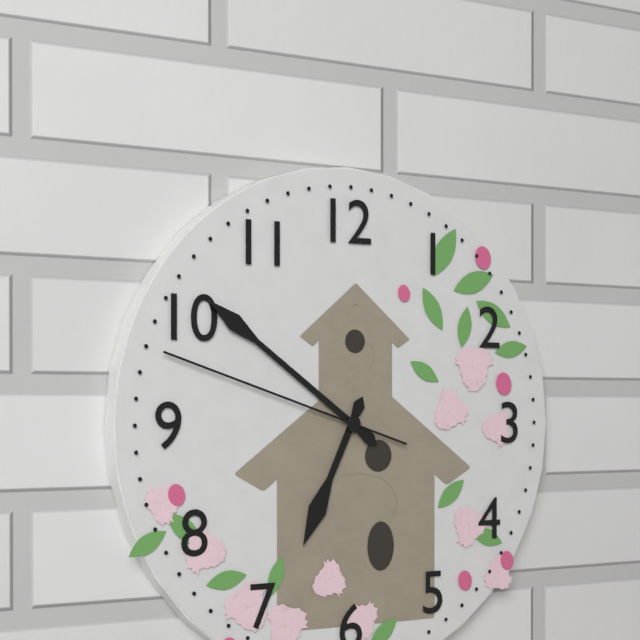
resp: 6,51,48
